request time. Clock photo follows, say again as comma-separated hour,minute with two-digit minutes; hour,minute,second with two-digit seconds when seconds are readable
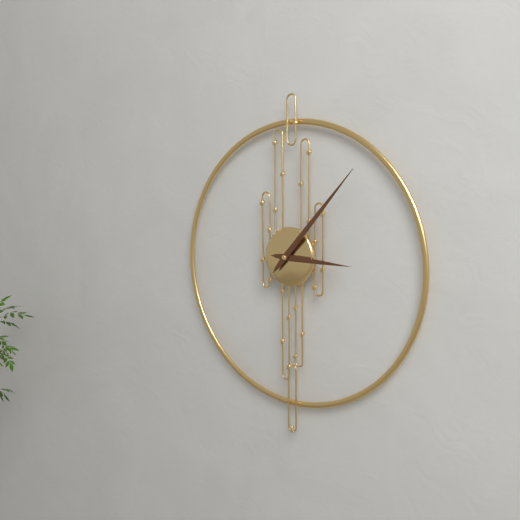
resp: 3,07
